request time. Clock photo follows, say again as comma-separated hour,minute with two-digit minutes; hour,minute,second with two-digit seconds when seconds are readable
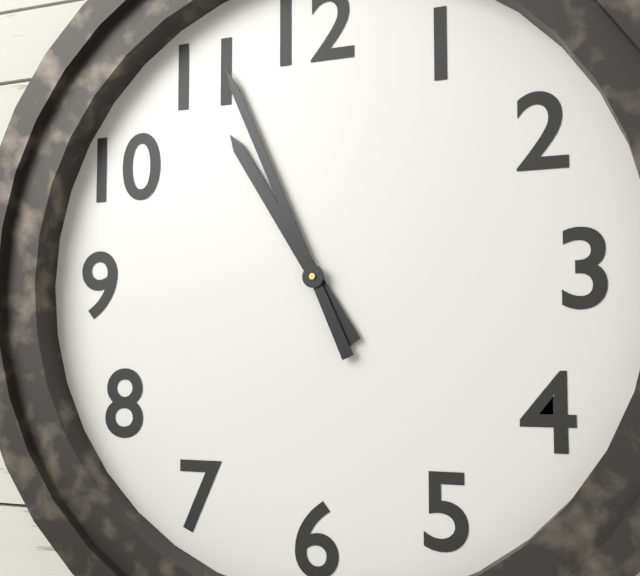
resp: 10,56
